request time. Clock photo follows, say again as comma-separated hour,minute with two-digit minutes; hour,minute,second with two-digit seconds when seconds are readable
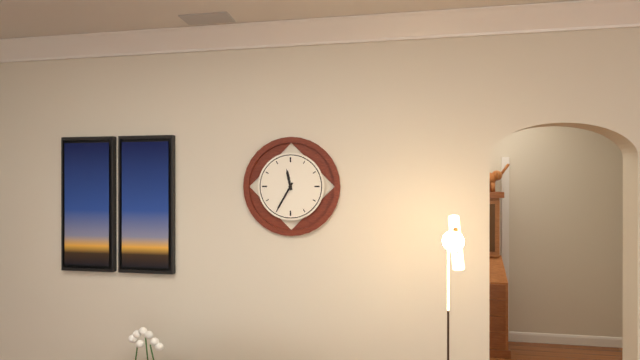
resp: 11,35
